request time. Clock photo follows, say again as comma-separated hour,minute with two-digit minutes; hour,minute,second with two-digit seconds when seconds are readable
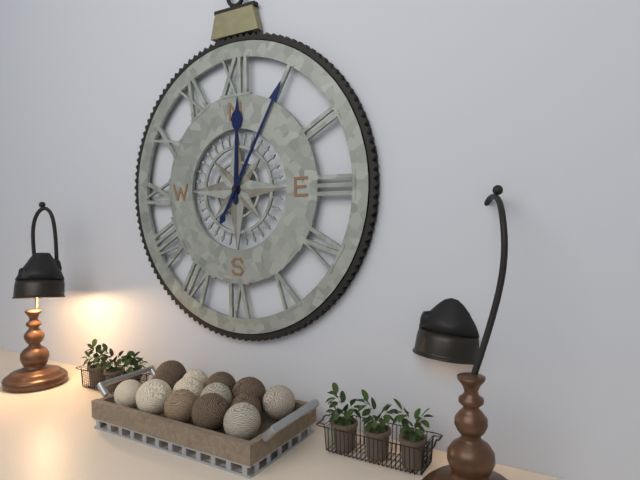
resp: 12,05
